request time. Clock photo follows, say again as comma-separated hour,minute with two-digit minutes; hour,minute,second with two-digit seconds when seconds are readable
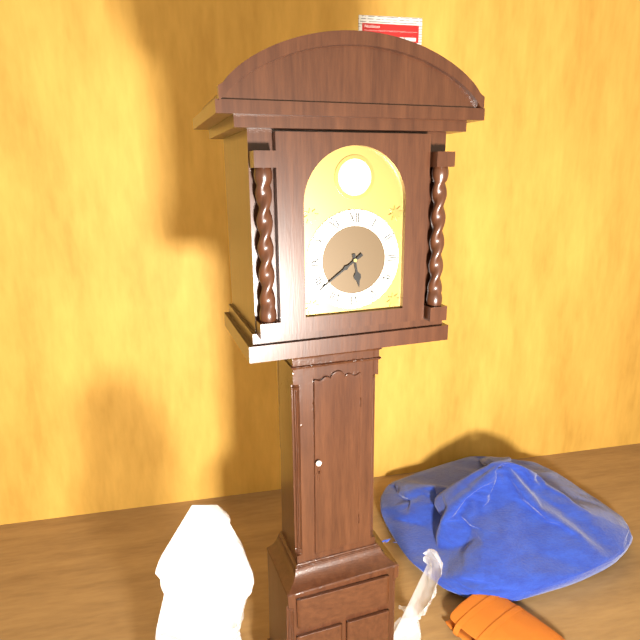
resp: 5,39
